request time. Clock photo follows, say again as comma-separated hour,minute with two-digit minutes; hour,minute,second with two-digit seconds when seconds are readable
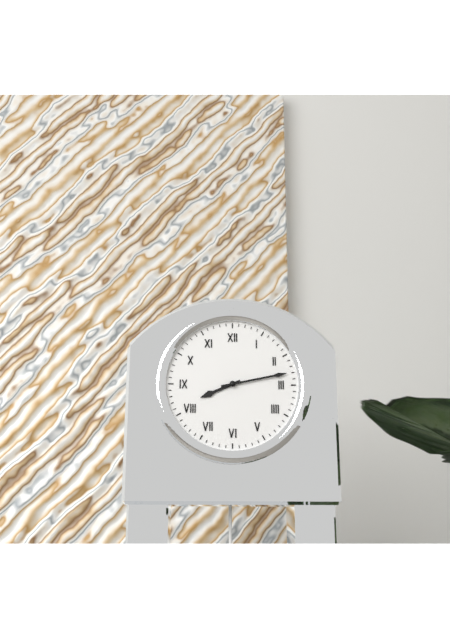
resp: 8,13
